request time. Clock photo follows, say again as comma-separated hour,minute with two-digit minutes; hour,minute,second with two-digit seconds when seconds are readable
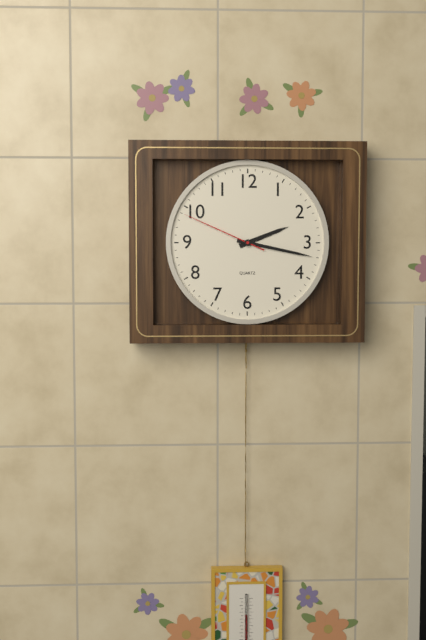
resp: 2,17,49
